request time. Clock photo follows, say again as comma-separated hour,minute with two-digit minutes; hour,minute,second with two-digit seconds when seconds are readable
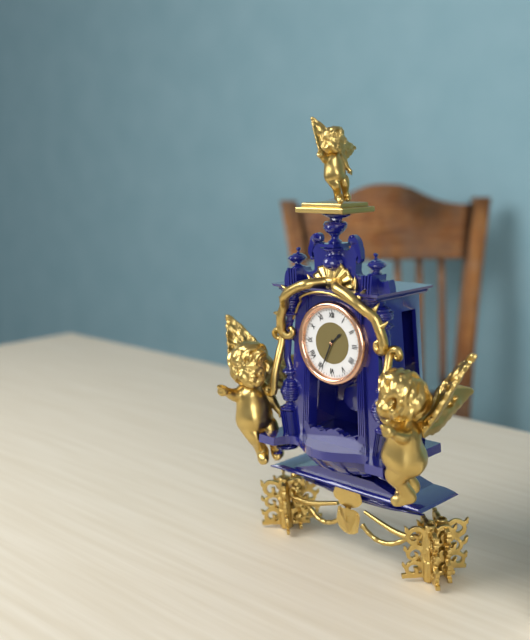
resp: 1,34
